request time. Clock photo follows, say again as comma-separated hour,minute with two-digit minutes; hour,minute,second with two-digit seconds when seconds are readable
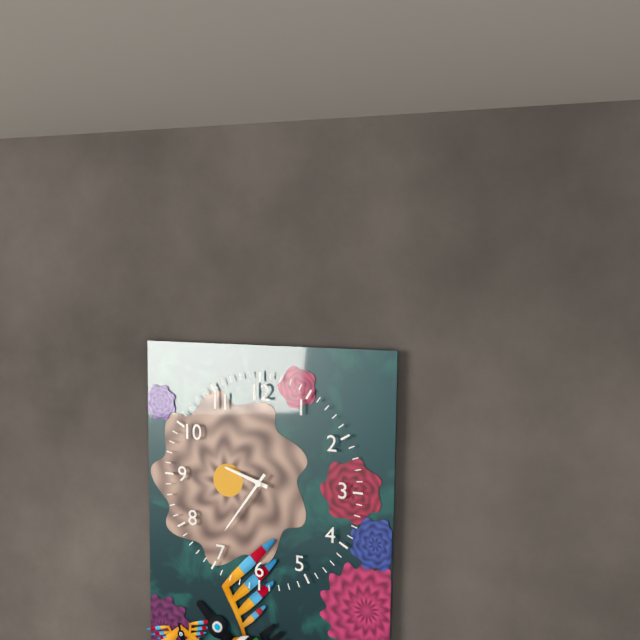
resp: 9,36
